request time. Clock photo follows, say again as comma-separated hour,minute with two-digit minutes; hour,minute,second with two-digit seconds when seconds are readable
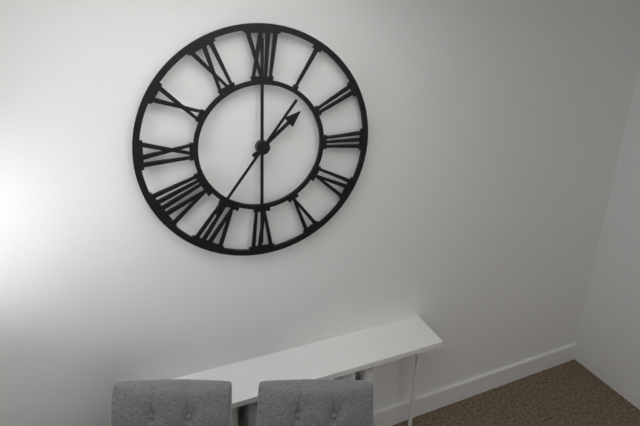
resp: 1,36
